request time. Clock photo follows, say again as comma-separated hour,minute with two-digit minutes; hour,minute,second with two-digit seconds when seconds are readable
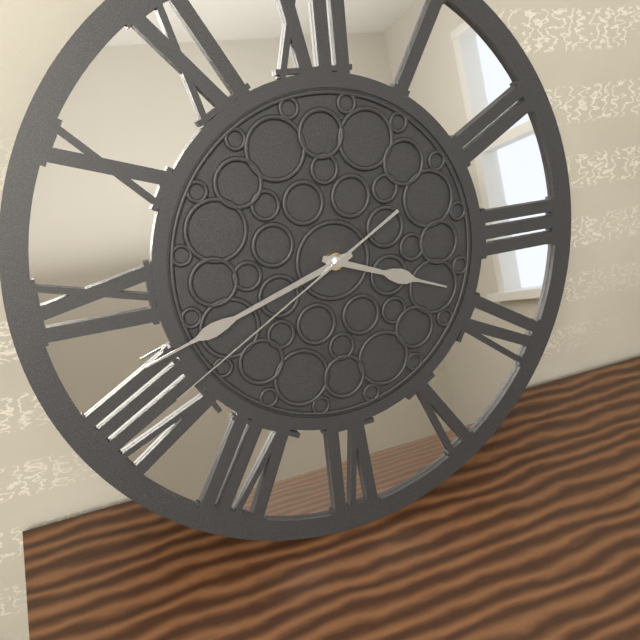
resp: 3,42,40
